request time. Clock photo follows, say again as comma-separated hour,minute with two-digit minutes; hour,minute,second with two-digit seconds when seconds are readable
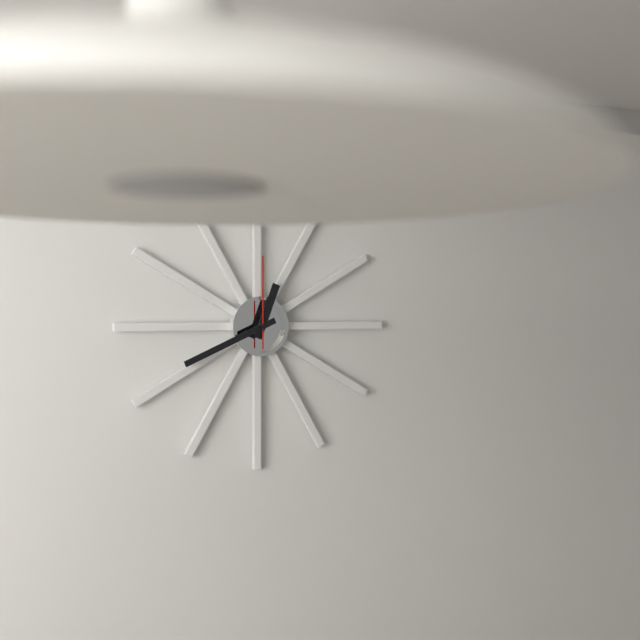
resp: 12,41,00
